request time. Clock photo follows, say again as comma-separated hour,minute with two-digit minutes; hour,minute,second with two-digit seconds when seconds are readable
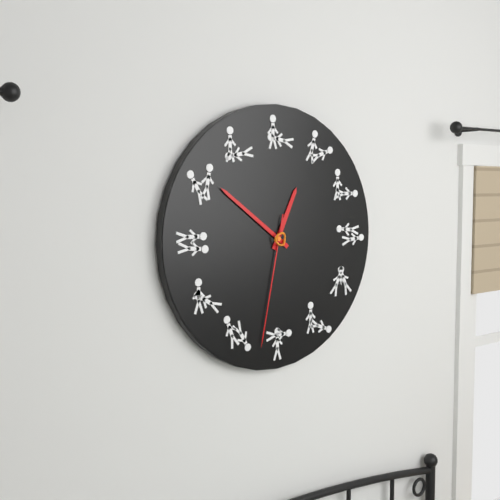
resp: 12,51,32
